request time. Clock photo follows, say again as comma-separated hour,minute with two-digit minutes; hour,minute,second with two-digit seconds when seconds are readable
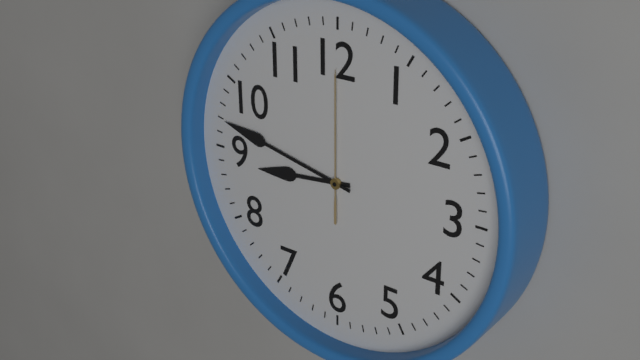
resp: 8,47,00
